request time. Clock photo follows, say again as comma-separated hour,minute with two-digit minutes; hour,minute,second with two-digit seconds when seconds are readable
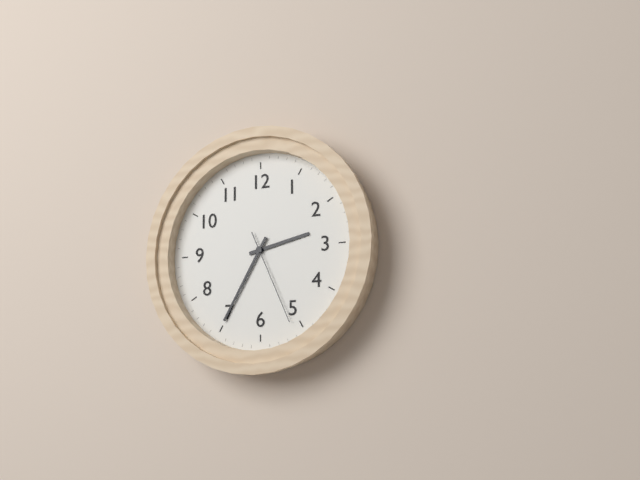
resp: 2,35,26
